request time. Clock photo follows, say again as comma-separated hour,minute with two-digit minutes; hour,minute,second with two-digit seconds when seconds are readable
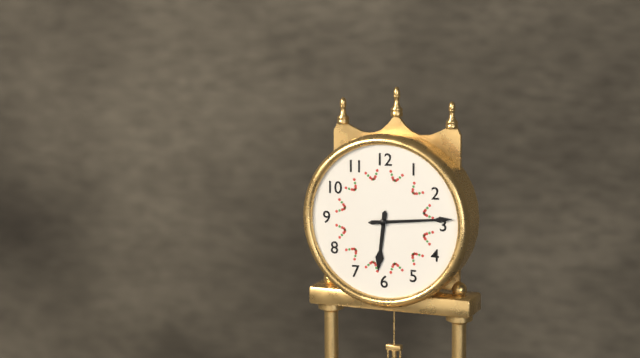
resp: 6,14
